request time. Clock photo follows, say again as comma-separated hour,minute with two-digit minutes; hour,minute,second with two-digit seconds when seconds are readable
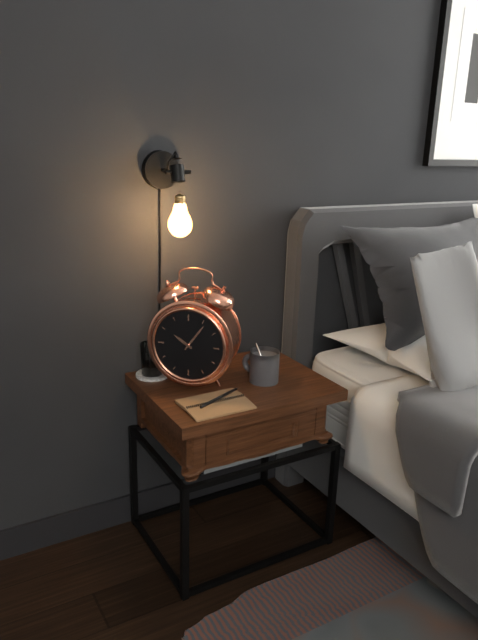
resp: 10,06
